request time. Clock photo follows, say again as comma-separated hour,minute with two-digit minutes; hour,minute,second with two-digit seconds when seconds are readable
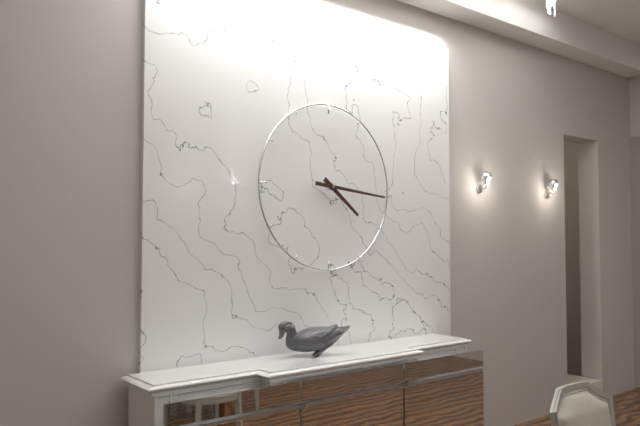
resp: 4,16
